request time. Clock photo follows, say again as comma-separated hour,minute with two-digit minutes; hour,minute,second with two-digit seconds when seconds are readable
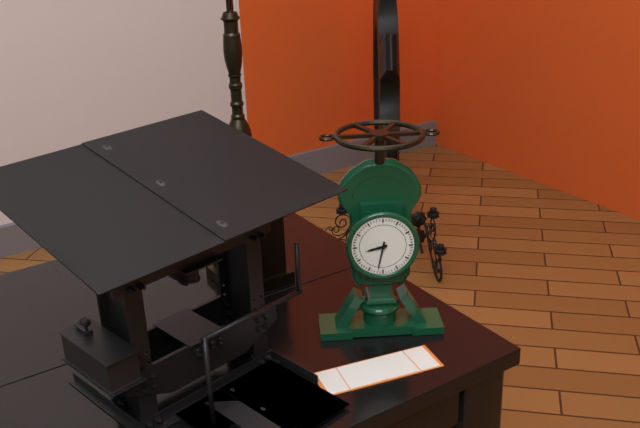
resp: 8,32
